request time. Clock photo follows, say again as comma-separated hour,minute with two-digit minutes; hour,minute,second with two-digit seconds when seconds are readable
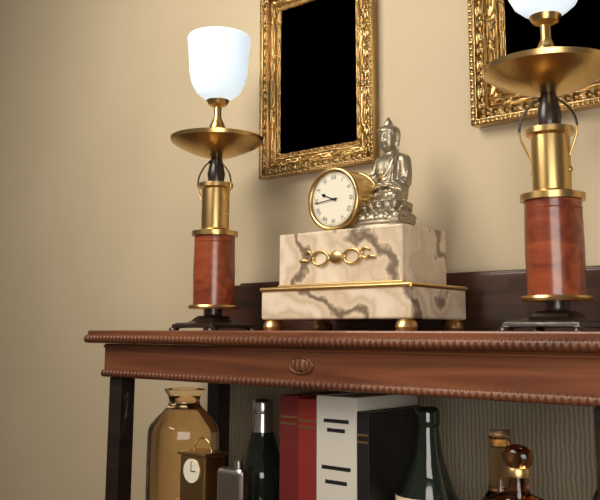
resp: 9,44
